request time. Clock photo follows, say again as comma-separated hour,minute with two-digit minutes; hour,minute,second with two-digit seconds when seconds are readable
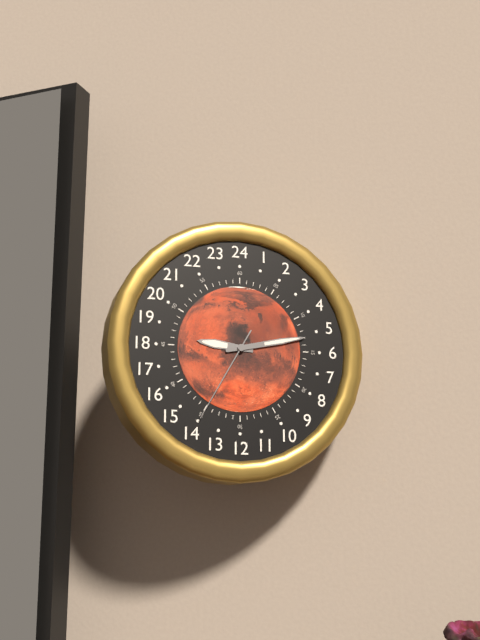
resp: 9,13,35
